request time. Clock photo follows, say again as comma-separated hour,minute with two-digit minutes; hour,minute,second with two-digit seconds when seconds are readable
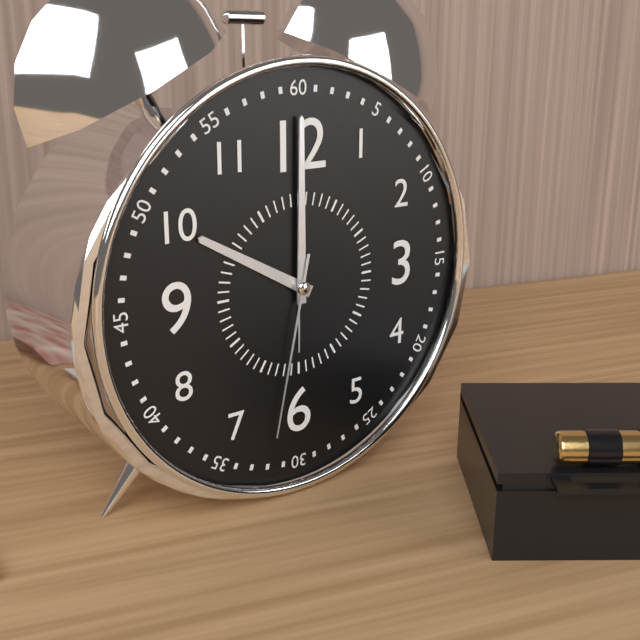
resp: 10,00,32
